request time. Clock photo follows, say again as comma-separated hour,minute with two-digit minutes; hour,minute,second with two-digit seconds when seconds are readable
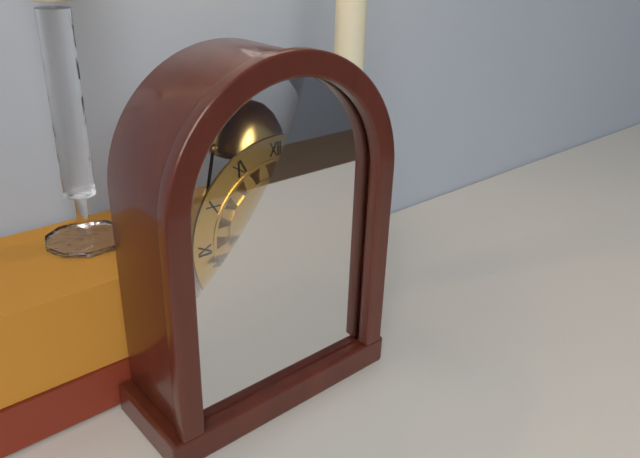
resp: 8,43
